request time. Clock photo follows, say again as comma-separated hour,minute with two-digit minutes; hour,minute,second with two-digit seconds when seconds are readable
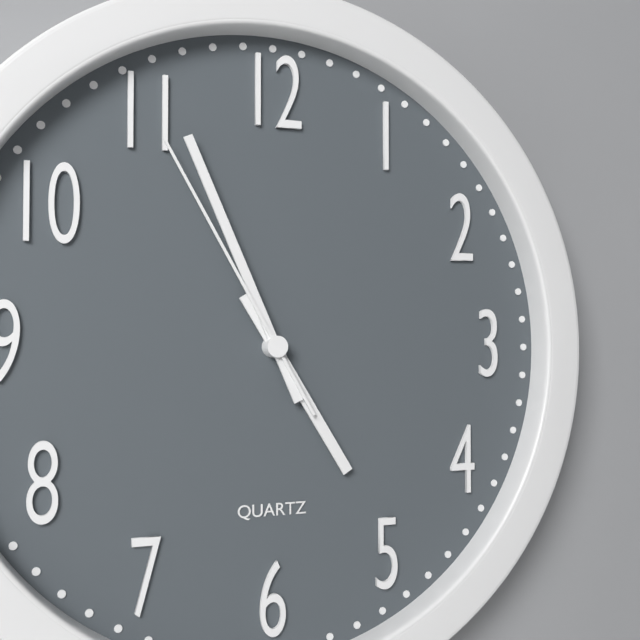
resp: 4,56,55
